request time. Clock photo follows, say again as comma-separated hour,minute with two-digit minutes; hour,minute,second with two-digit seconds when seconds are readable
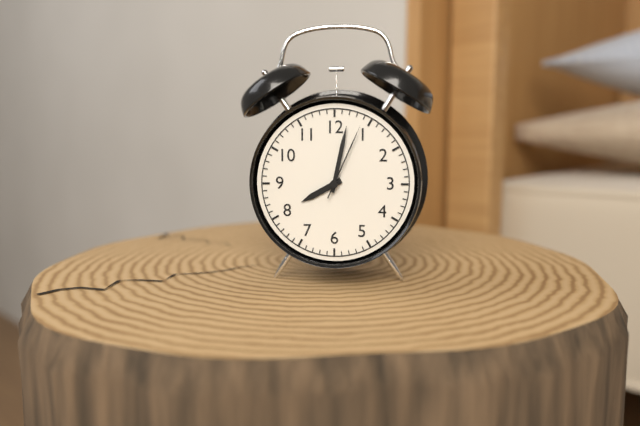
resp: 8,02,04
